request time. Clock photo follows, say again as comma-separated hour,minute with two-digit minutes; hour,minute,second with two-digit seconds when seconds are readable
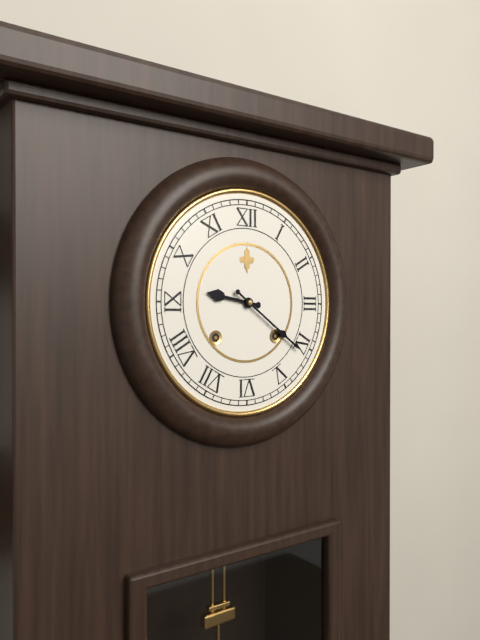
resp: 9,21
